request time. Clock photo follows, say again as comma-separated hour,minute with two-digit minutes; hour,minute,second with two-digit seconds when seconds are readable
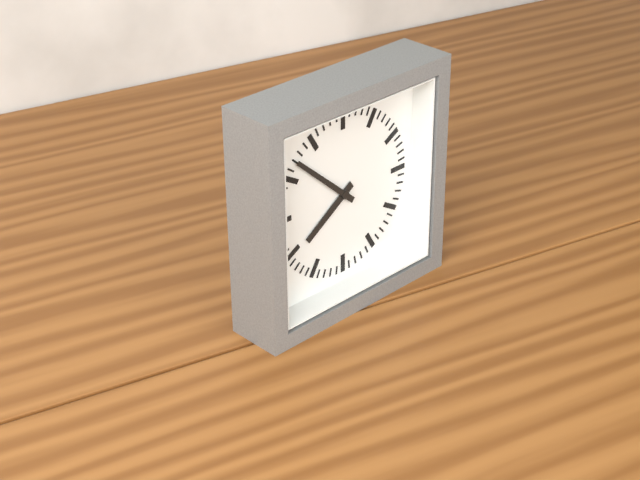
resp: 7,52
